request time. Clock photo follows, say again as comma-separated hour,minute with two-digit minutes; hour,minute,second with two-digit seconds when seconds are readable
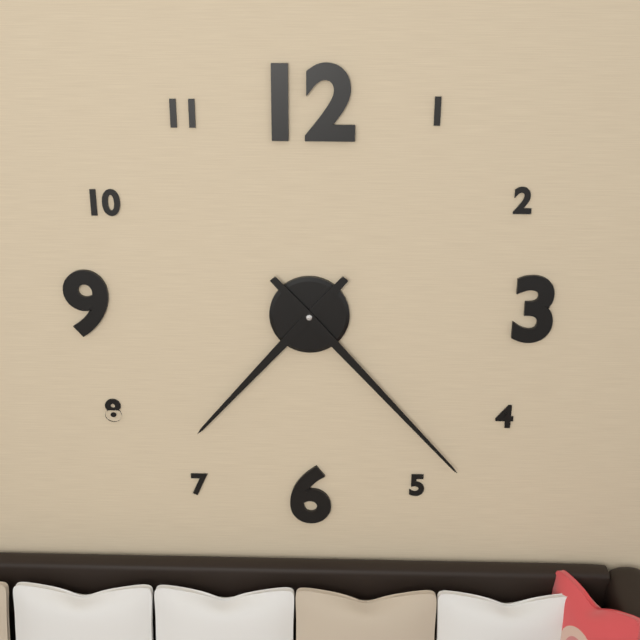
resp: 7,23
